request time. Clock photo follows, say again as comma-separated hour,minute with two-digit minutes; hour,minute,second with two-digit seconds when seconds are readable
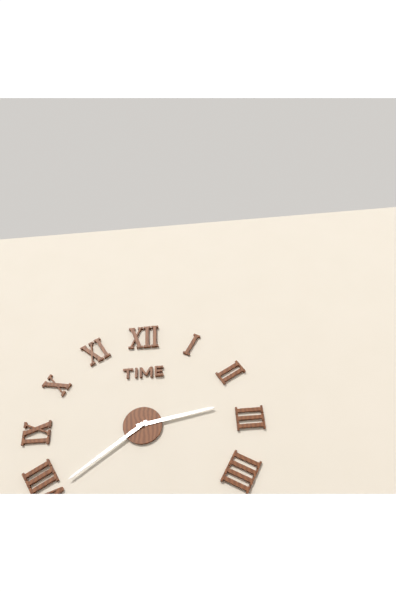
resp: 2,39
